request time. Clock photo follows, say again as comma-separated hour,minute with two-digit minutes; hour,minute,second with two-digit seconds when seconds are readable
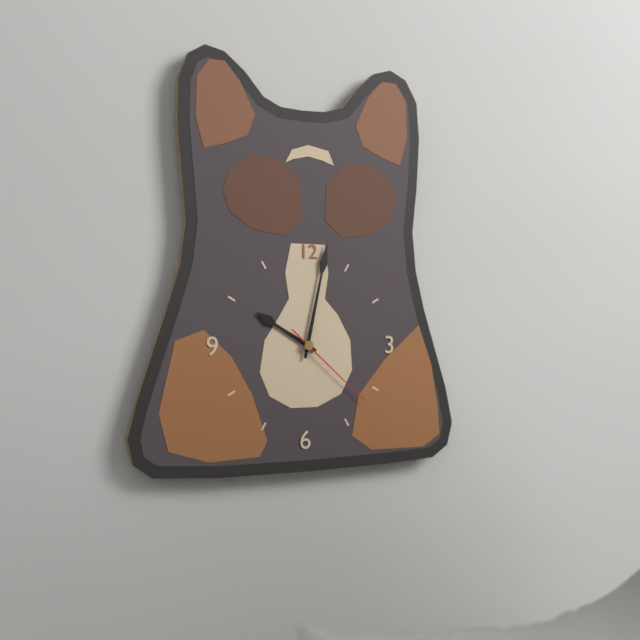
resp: 10,02,22
